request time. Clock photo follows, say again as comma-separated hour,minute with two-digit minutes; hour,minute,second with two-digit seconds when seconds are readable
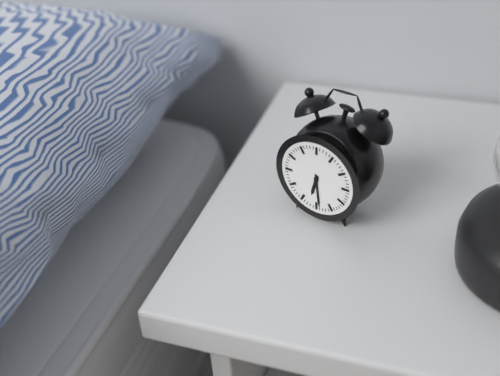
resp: 6,29
